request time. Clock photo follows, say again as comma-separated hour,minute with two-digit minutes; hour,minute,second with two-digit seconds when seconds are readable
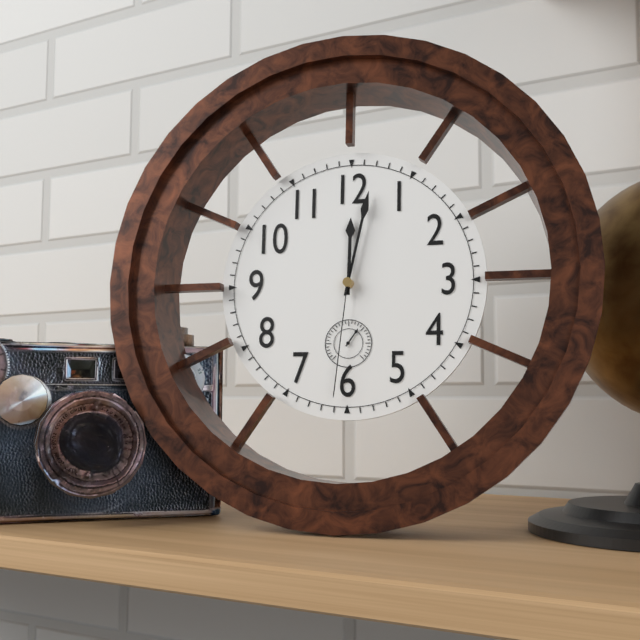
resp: 12,02,31
